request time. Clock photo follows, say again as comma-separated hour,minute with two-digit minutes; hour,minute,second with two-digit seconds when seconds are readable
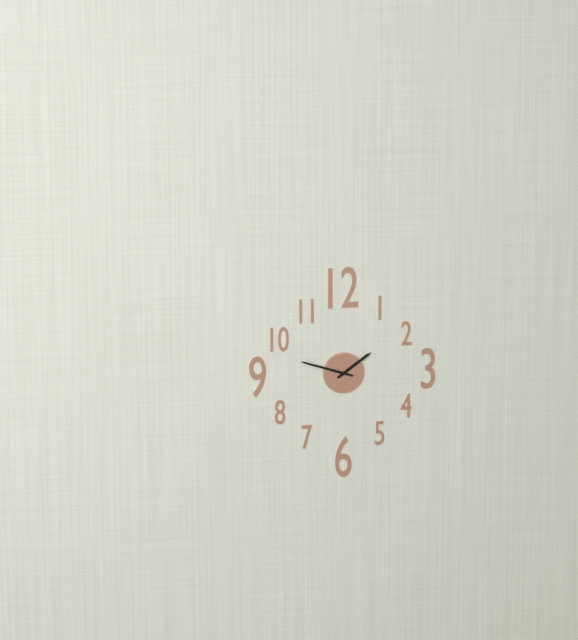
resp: 1,48
